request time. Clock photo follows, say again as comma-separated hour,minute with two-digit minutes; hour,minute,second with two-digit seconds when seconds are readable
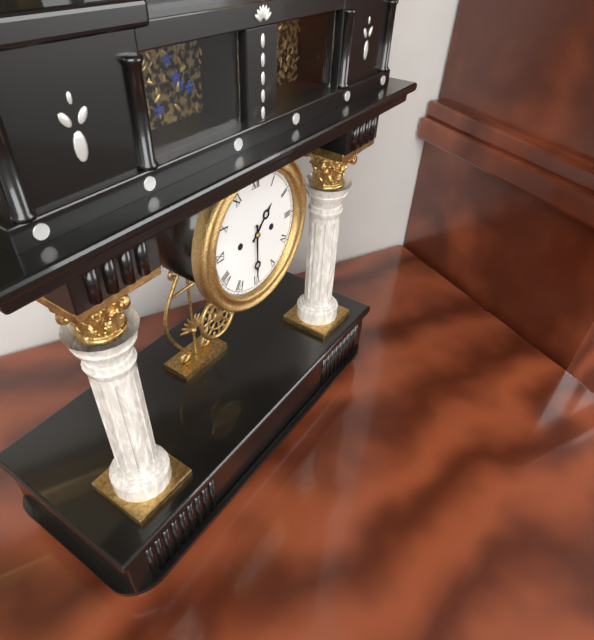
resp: 1,30
